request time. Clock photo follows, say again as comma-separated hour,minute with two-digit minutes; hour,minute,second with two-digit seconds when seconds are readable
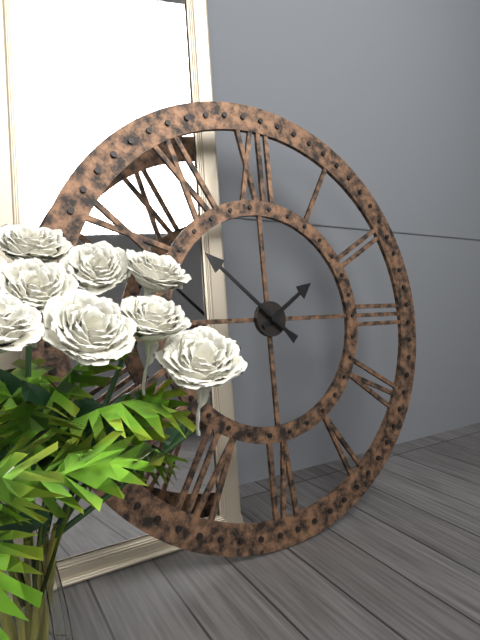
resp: 1,52
